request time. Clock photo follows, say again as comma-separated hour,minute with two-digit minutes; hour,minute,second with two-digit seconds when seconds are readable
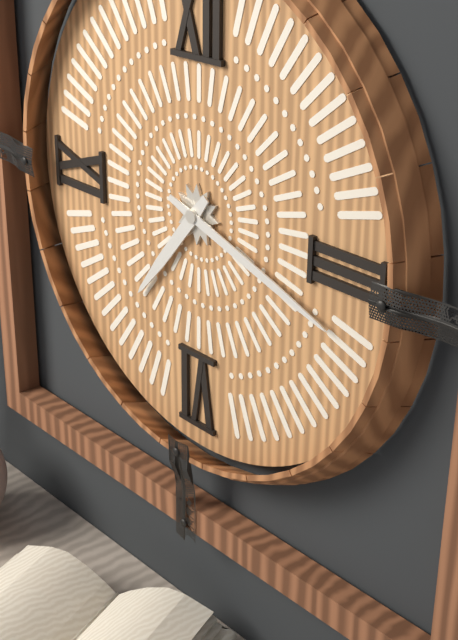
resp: 7,18
